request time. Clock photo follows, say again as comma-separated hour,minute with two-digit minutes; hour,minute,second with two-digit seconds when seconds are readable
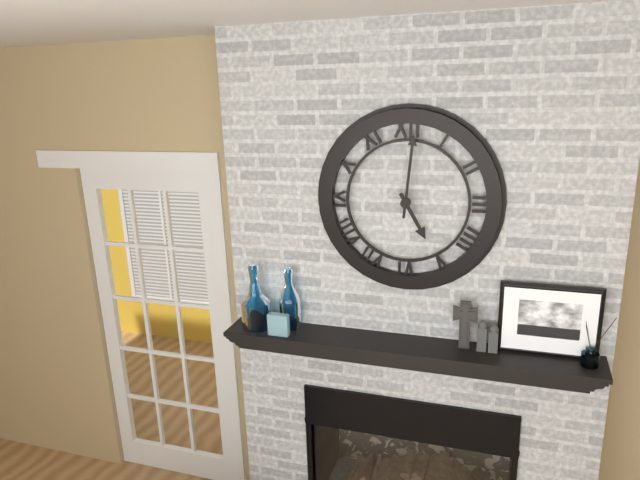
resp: 5,01
